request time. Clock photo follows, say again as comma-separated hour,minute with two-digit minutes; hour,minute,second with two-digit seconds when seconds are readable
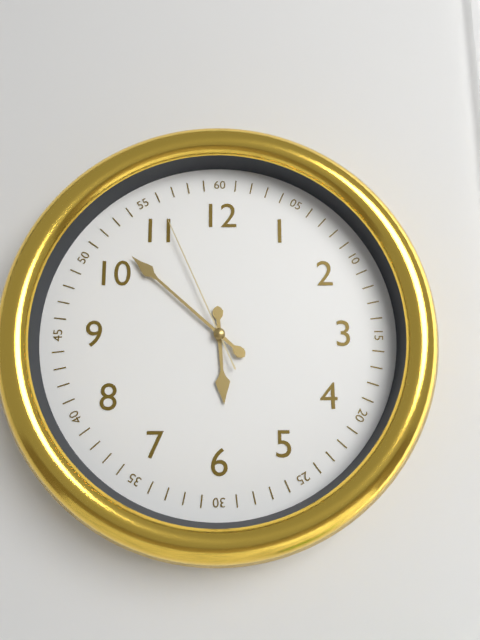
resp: 5,52,56
